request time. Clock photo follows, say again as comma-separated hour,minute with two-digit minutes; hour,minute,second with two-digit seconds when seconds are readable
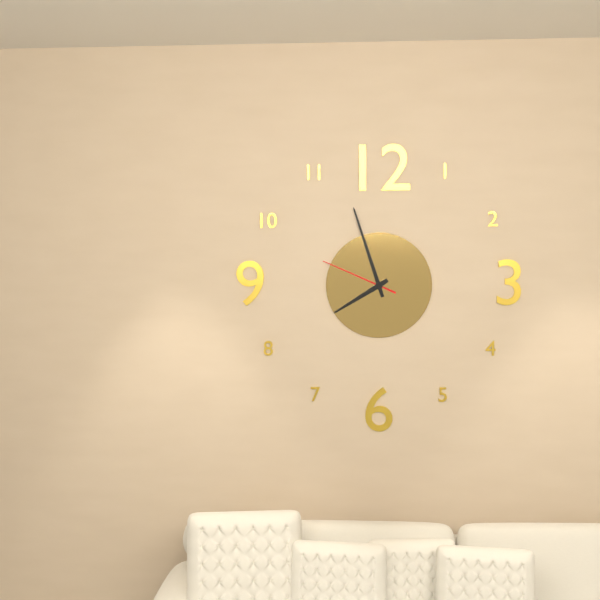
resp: 7,57,49
